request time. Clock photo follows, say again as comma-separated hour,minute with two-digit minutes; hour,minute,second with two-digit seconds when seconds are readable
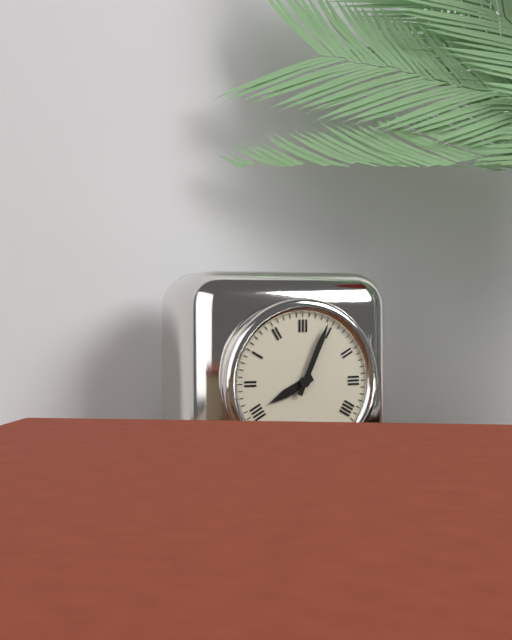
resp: 8,04
